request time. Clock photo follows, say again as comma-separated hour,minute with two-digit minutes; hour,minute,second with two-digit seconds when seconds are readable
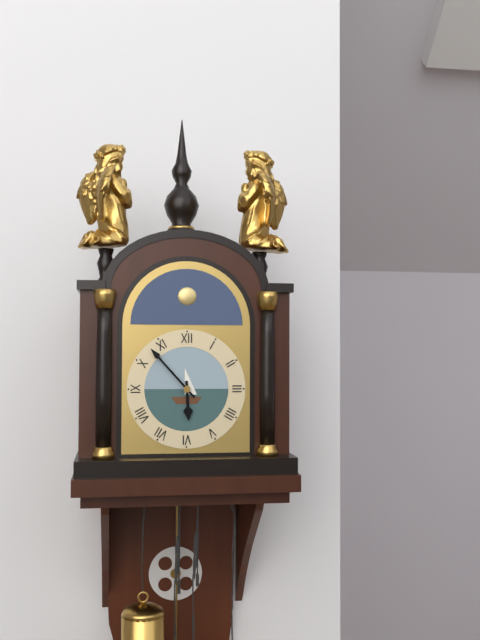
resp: 5,53
